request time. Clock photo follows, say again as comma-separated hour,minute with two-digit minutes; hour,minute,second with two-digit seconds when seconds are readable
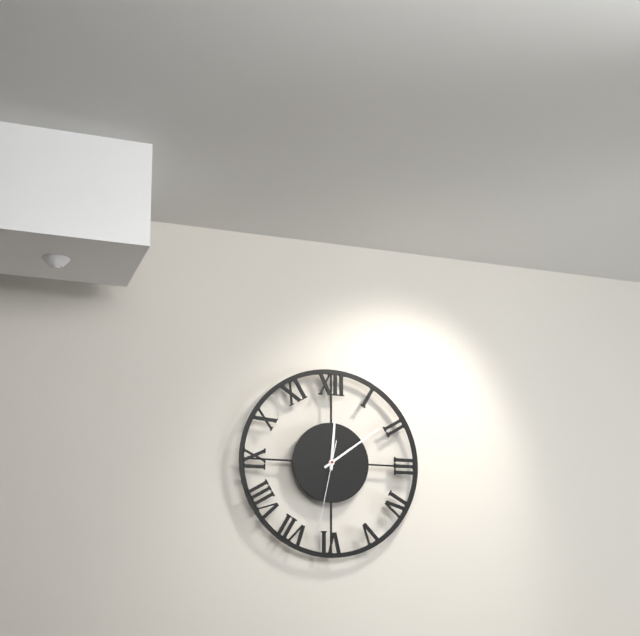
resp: 12,09,32
